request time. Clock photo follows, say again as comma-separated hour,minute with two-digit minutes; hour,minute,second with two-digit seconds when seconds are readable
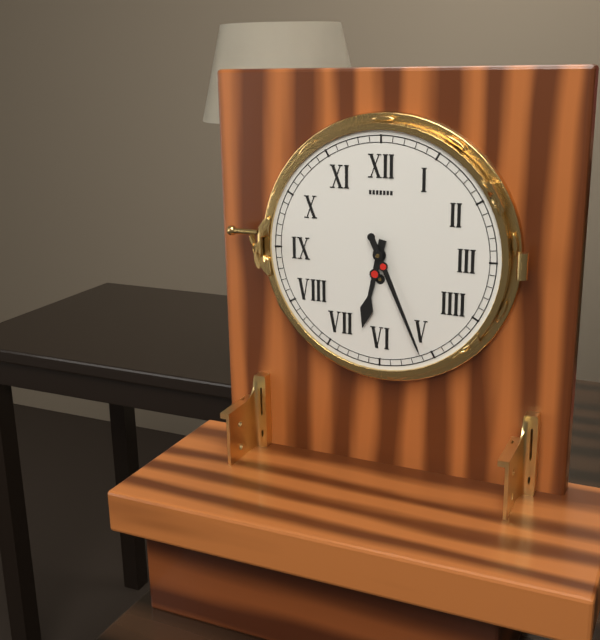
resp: 6,26
